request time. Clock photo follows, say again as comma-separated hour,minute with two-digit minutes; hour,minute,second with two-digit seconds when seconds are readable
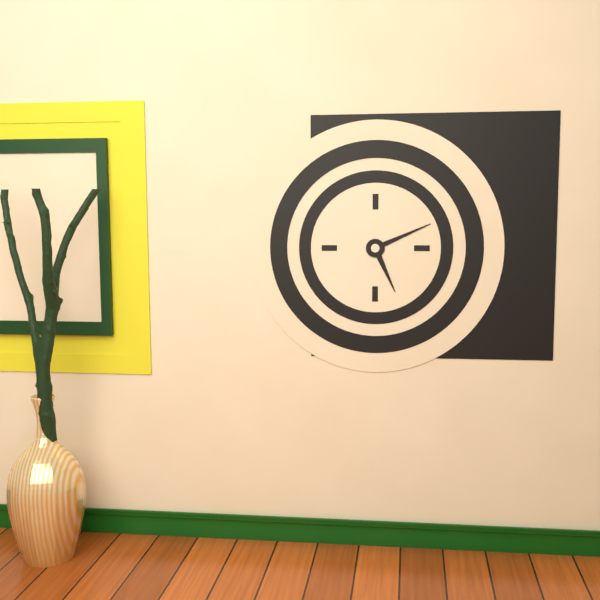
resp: 5,11
